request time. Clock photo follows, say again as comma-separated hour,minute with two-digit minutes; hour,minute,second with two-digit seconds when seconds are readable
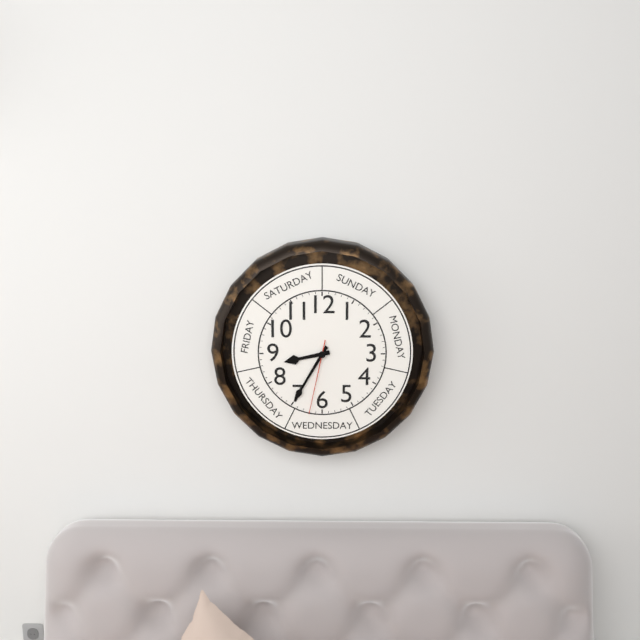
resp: 8,35,32
